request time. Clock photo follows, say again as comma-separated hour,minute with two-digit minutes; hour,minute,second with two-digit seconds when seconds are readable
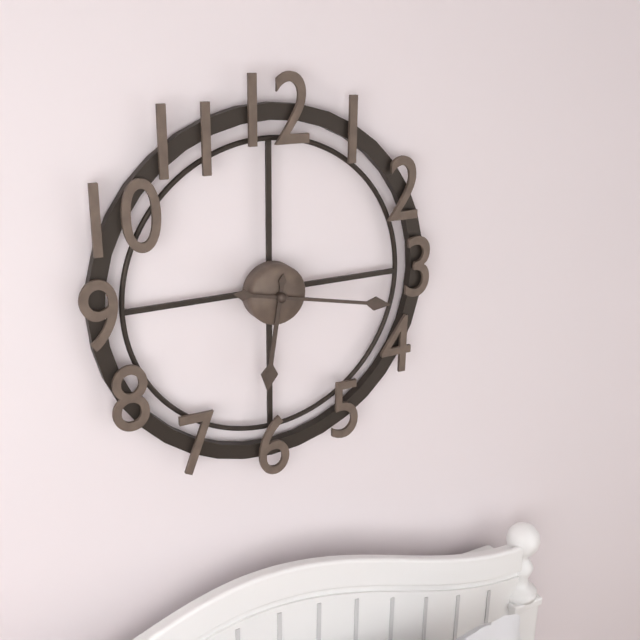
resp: 6,17
